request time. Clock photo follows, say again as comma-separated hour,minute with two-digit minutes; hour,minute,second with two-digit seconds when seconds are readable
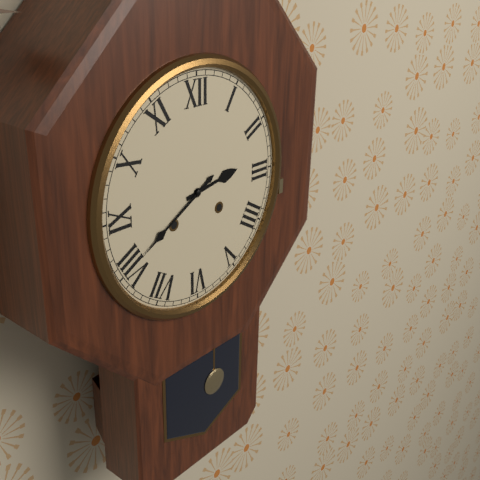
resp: 2,40
